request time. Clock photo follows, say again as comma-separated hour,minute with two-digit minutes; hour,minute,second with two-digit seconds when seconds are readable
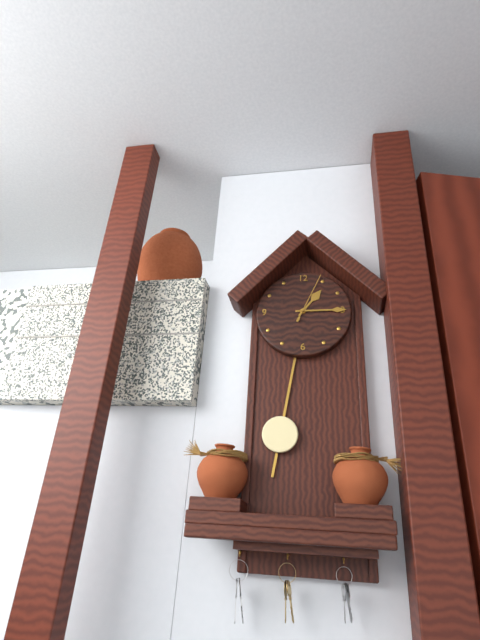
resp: 1,15,04
